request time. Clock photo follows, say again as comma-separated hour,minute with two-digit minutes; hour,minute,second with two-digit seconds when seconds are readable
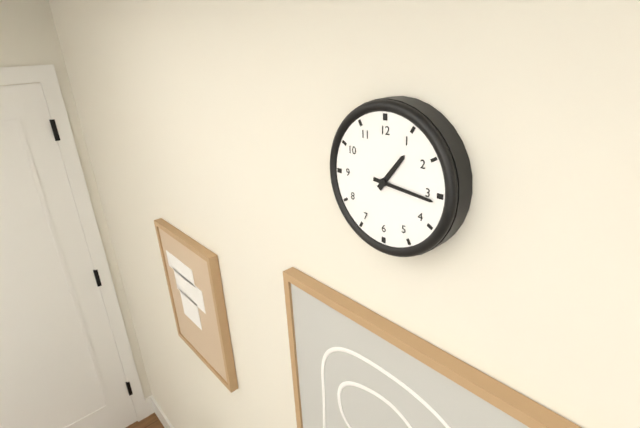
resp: 1,16
